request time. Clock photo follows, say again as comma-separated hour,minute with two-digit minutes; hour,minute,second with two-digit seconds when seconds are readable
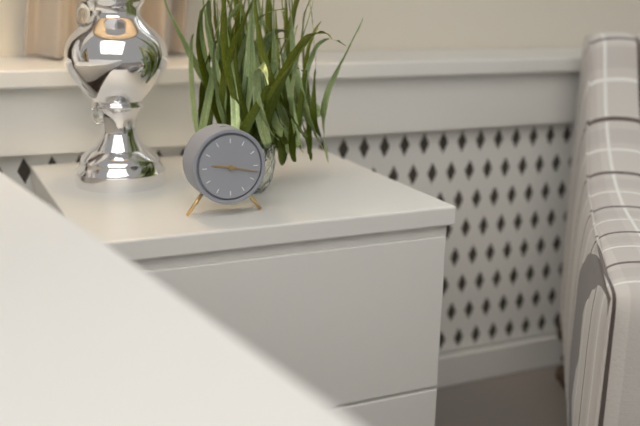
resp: 9,17
